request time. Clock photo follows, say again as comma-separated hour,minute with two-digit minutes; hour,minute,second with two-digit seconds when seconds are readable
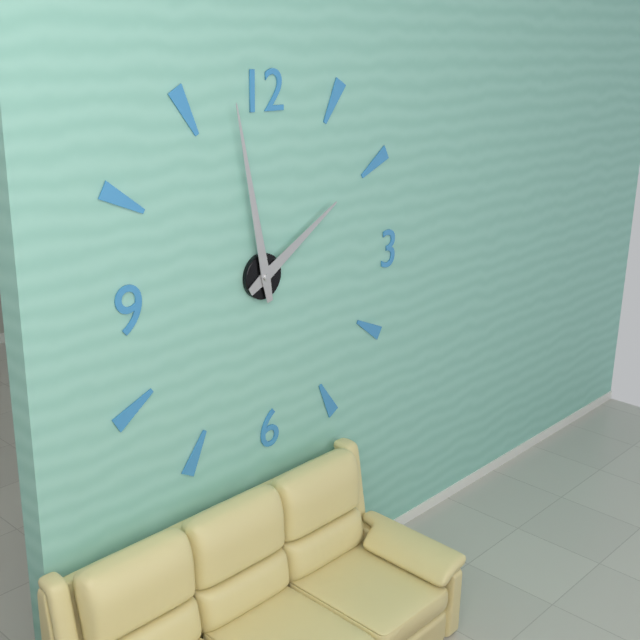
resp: 1,58
